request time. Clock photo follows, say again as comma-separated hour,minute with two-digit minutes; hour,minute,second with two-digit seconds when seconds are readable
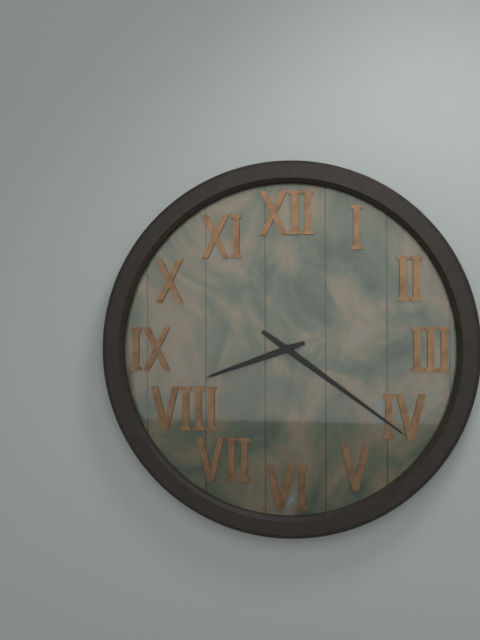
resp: 8,21
